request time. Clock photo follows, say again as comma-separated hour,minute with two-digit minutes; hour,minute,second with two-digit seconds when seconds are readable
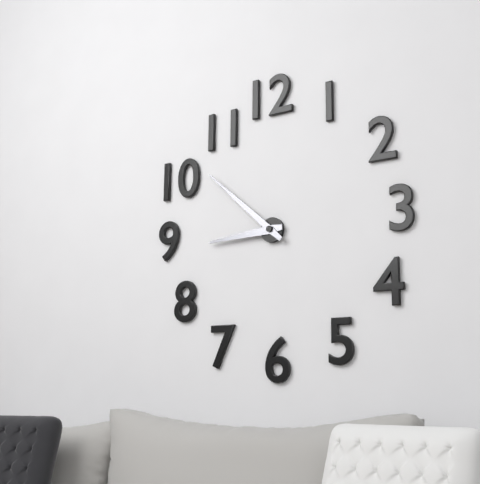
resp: 8,52
